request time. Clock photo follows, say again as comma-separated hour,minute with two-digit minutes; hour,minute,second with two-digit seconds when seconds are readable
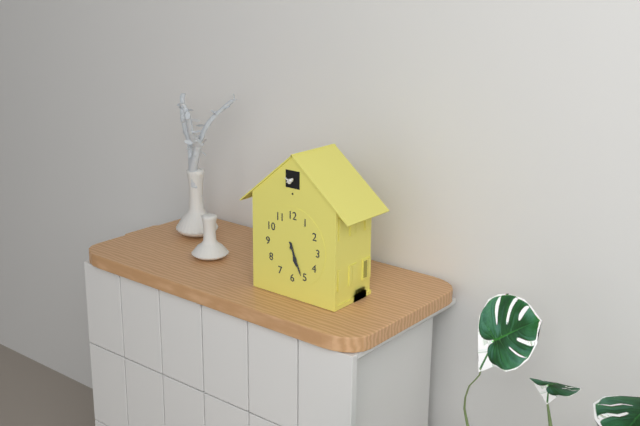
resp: 5,26
